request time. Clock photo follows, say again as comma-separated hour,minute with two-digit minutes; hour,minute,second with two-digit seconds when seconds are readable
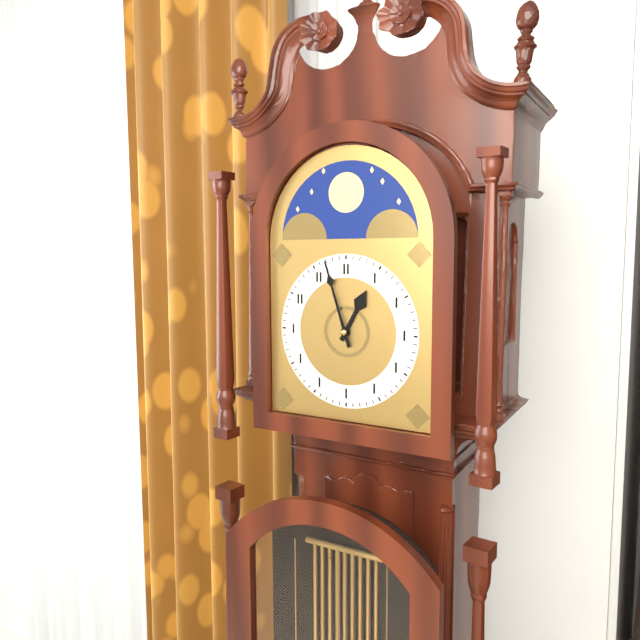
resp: 12,57
